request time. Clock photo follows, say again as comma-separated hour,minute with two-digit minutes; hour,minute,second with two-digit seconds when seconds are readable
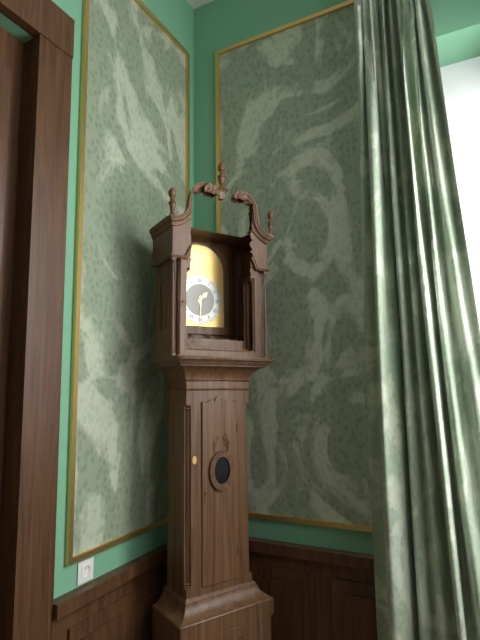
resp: 1,30
